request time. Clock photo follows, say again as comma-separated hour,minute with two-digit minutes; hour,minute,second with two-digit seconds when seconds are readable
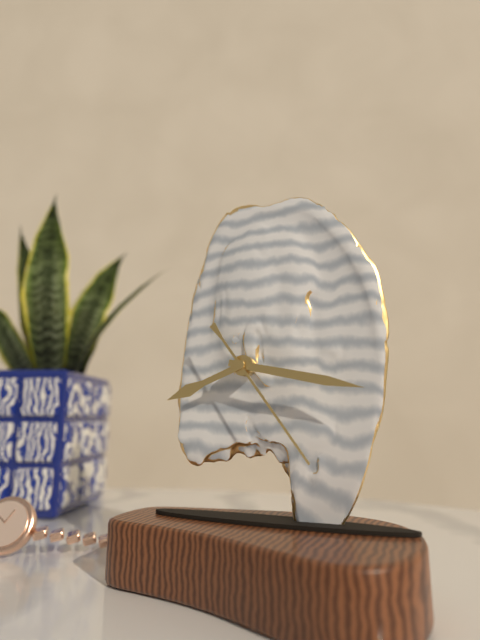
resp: 8,17,24
